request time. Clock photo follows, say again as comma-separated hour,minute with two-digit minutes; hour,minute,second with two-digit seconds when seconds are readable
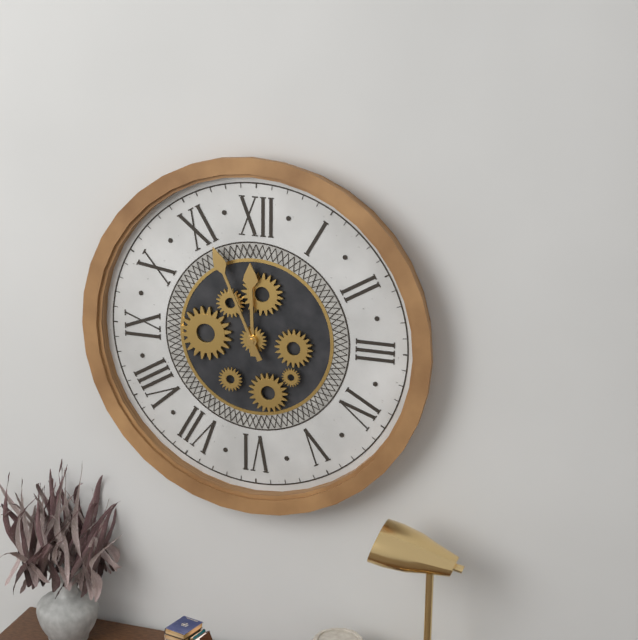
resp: 11,56
